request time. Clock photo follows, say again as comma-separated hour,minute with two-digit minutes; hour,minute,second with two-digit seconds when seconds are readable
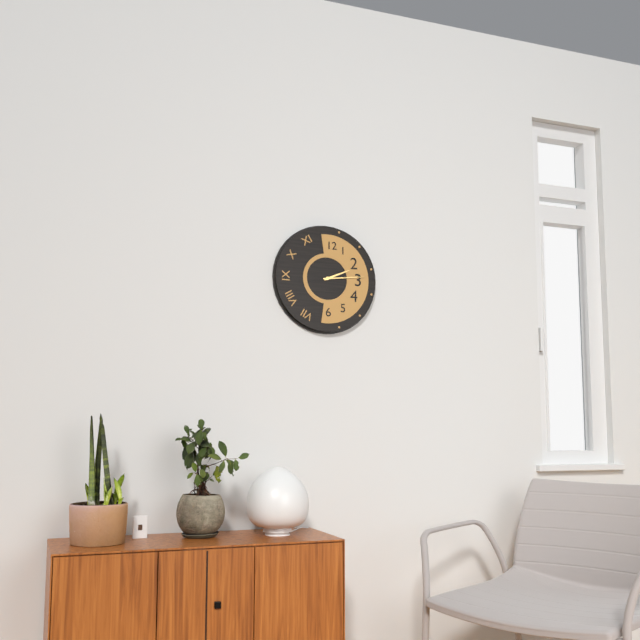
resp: 2,14
